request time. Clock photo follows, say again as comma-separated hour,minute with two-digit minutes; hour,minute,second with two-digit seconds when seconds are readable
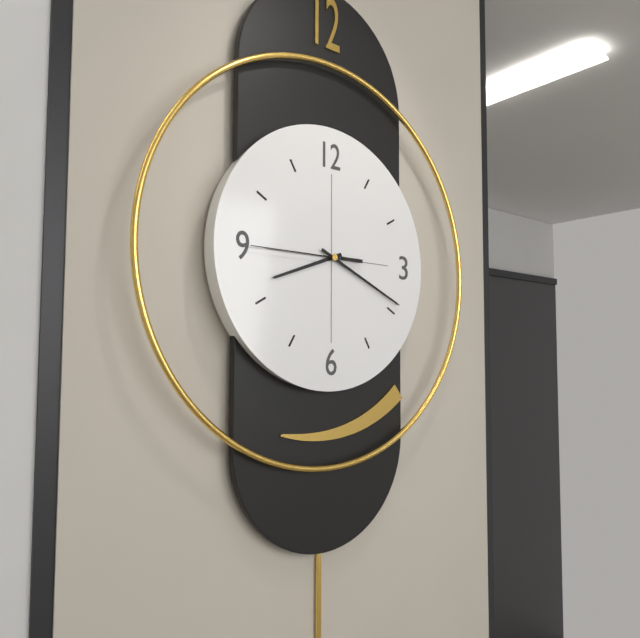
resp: 8,19,45
